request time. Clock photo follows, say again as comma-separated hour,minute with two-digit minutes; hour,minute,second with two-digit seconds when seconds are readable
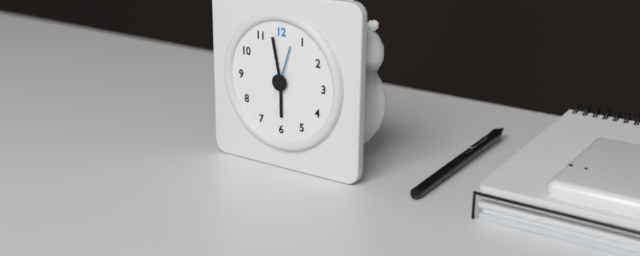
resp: 5,58
